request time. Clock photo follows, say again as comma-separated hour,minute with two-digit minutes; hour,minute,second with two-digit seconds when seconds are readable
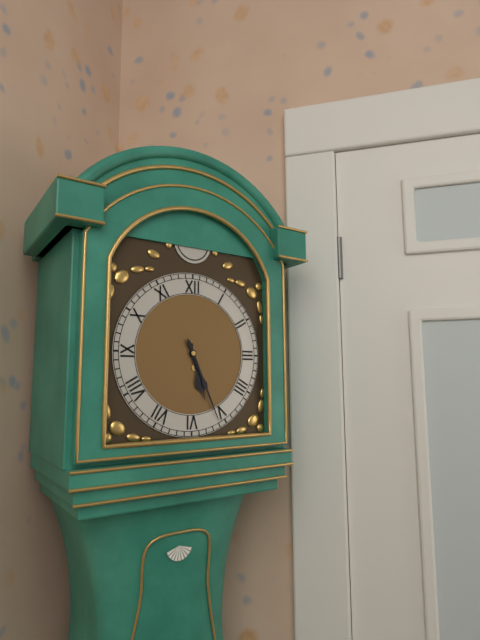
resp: 5,26
